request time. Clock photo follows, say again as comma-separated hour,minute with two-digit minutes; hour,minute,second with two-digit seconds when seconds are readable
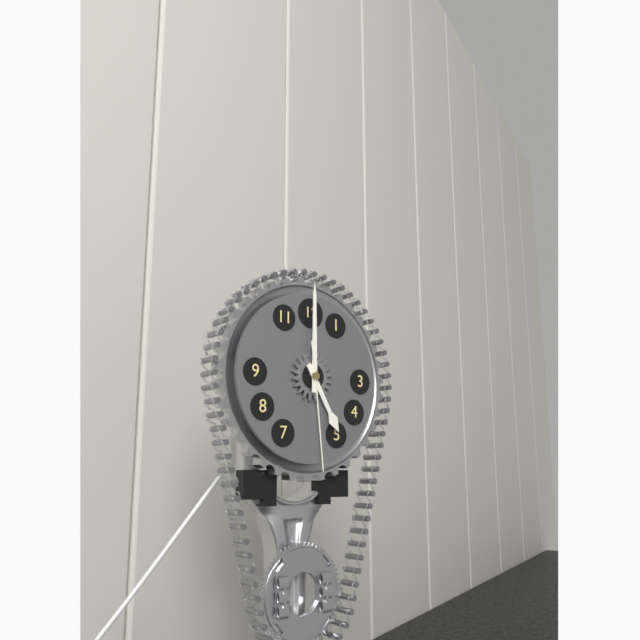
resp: 5,00,29
